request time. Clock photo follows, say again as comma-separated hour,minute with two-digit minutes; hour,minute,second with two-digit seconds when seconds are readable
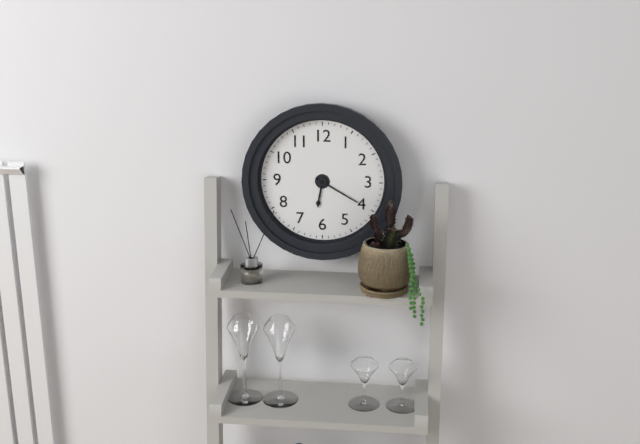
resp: 6,20
